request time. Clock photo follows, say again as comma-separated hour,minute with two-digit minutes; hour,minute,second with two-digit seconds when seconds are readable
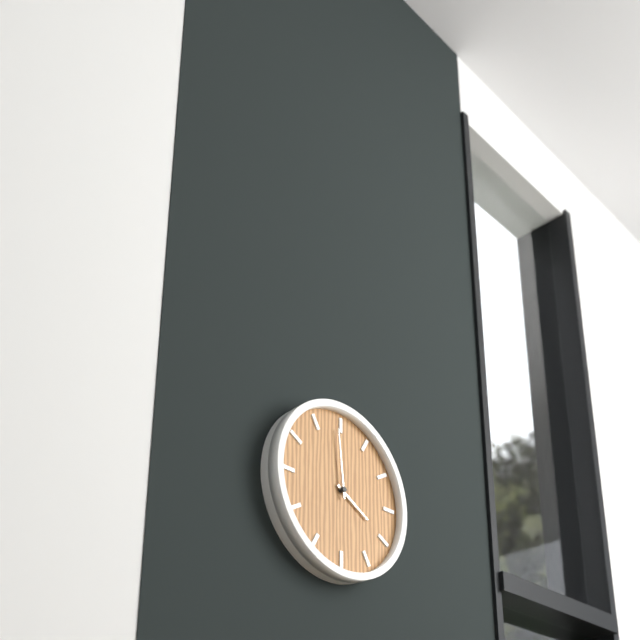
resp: 3,59
